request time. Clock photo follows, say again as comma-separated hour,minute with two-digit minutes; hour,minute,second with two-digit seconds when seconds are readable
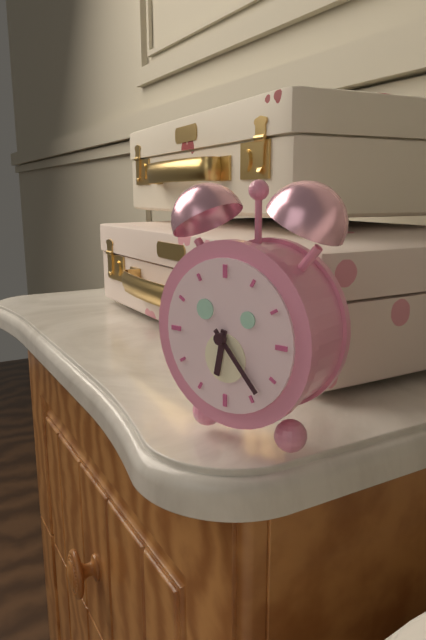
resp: 6,23
